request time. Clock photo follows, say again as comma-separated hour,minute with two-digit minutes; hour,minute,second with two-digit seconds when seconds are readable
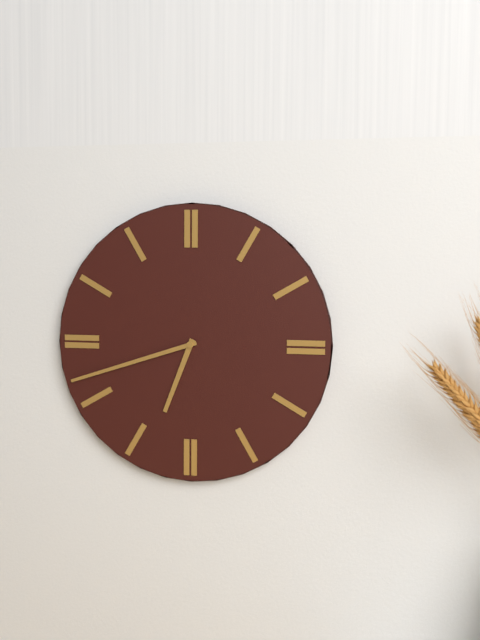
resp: 6,42
